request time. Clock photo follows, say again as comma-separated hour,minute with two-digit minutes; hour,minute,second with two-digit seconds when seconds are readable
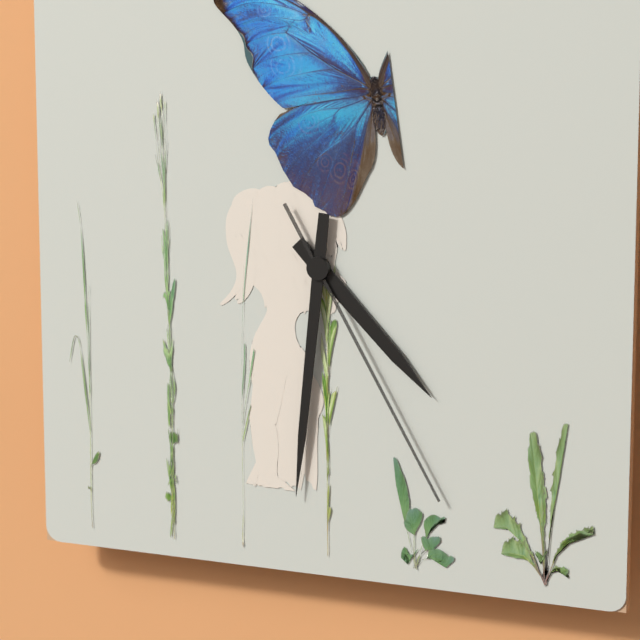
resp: 4,31,25
